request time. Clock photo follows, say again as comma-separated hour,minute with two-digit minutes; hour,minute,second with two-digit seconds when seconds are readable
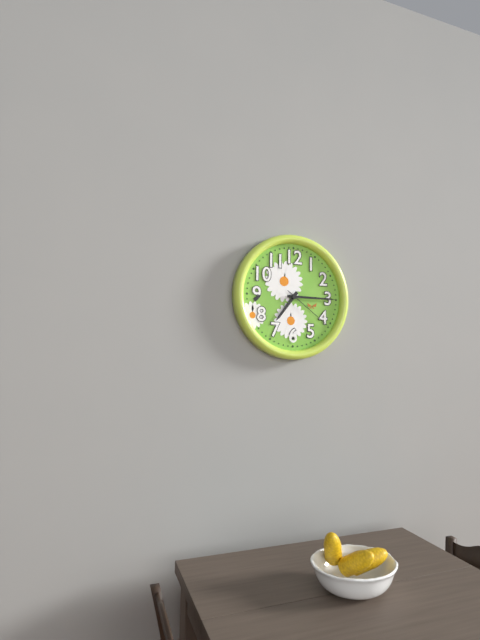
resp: 7,15,21
